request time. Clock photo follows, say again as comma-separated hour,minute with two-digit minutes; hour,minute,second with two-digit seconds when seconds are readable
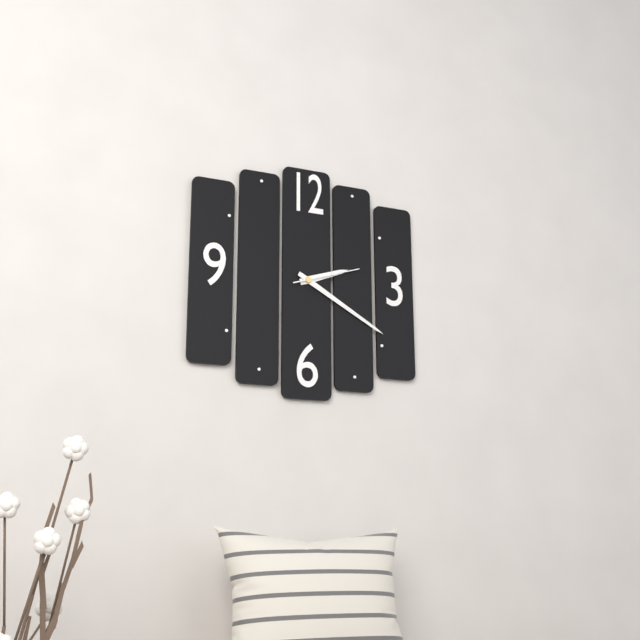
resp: 2,20,12
